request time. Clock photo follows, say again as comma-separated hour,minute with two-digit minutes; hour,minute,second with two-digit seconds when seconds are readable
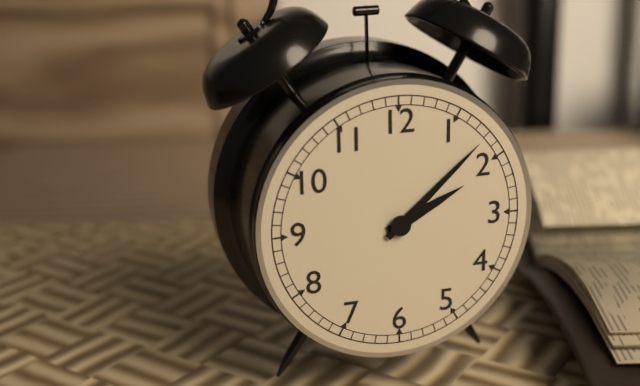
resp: 2,08
